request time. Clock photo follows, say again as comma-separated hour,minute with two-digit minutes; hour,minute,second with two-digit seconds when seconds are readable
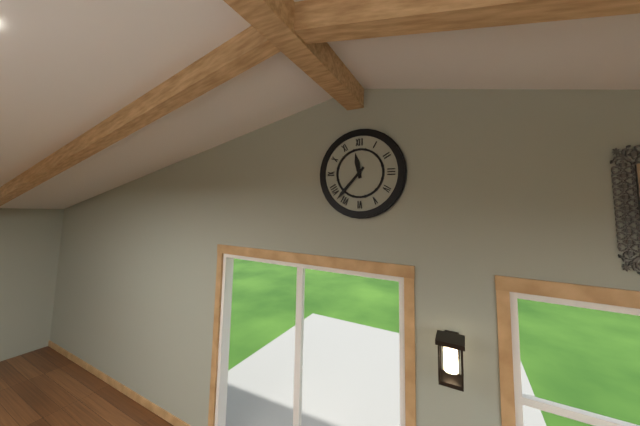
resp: 11,37
